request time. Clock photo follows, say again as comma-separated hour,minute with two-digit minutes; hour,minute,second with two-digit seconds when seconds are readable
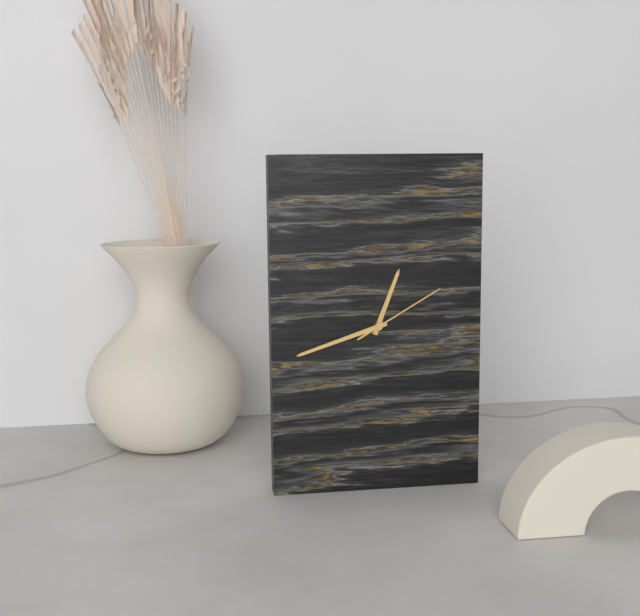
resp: 12,42,10
